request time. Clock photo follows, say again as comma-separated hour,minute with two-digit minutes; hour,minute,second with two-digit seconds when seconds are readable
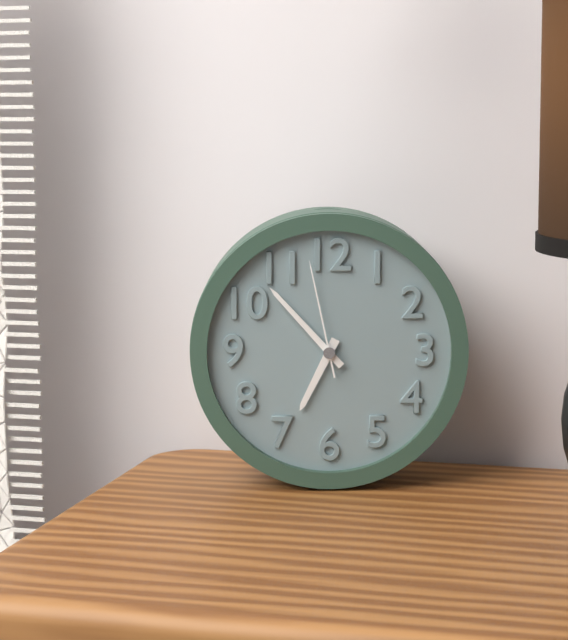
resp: 6,53,58
